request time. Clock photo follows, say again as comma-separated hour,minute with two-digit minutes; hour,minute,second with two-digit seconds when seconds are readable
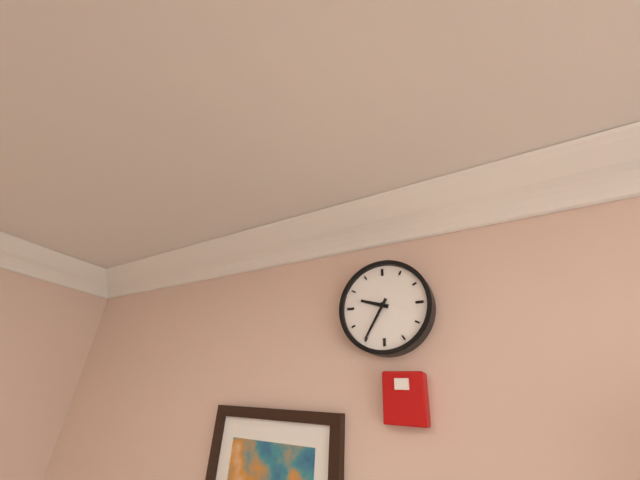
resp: 9,35
